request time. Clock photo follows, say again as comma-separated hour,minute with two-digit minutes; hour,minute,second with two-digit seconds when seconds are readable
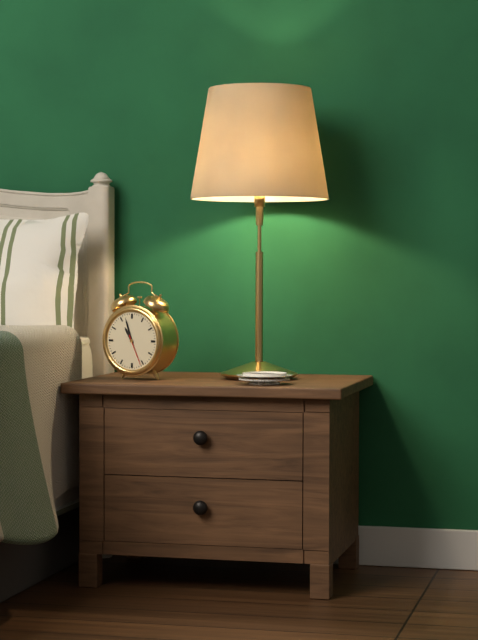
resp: 10,57
